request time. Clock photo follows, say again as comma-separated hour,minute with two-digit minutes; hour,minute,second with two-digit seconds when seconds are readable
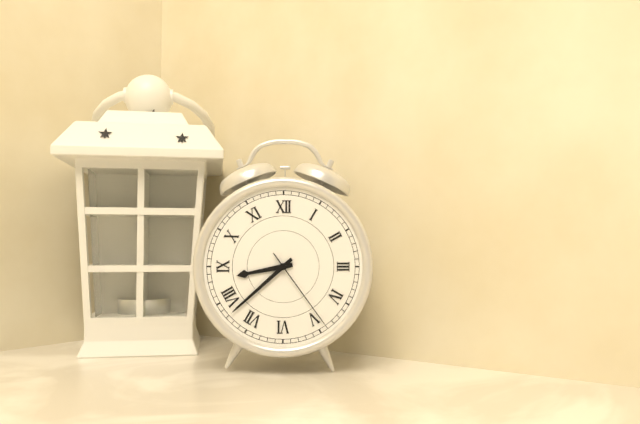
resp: 8,38,24
